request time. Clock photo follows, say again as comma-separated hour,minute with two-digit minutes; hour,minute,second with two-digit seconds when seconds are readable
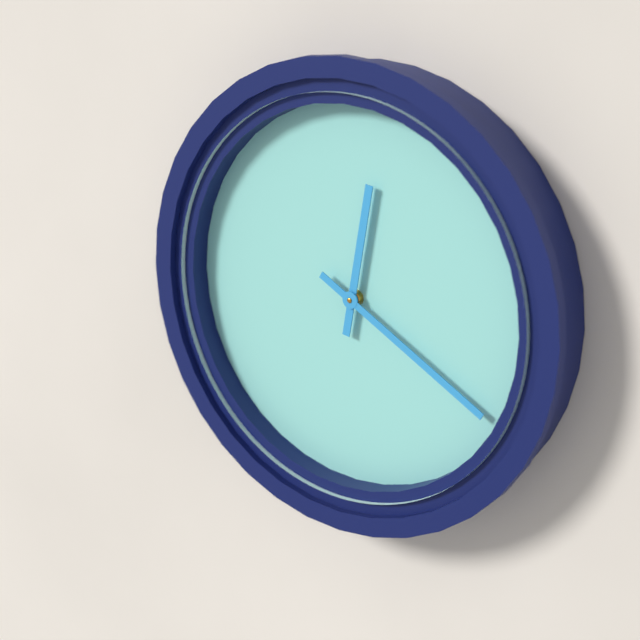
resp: 12,20
